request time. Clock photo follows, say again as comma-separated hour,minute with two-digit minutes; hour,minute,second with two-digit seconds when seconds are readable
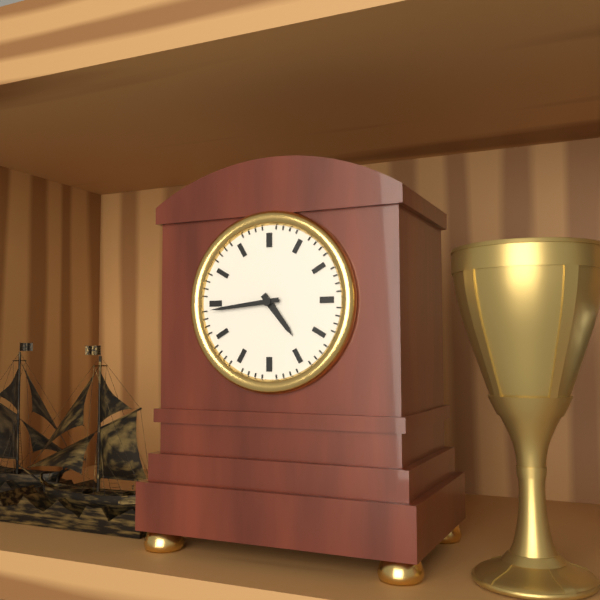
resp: 4,44
